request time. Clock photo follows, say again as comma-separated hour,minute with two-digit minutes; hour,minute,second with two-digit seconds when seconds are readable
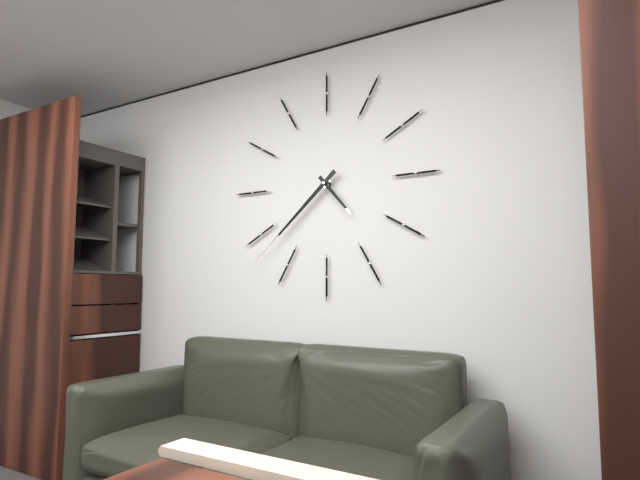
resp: 4,38
